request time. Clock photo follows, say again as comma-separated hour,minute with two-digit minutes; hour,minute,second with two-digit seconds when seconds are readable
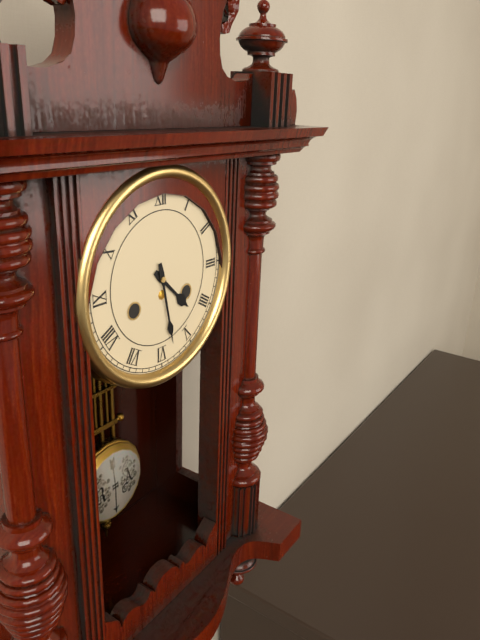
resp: 4,28
